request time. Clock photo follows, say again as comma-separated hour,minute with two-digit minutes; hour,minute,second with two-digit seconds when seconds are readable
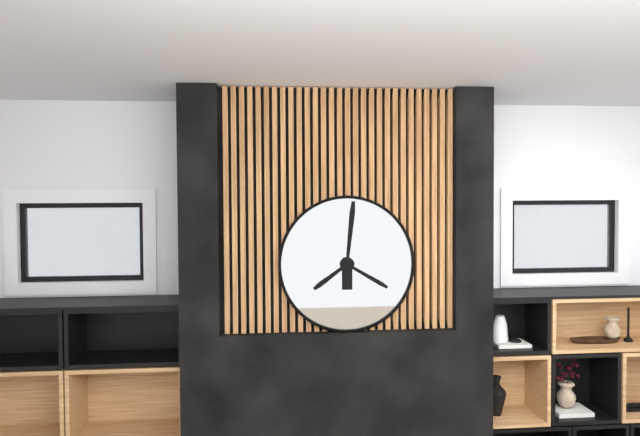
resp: 4,01,39
